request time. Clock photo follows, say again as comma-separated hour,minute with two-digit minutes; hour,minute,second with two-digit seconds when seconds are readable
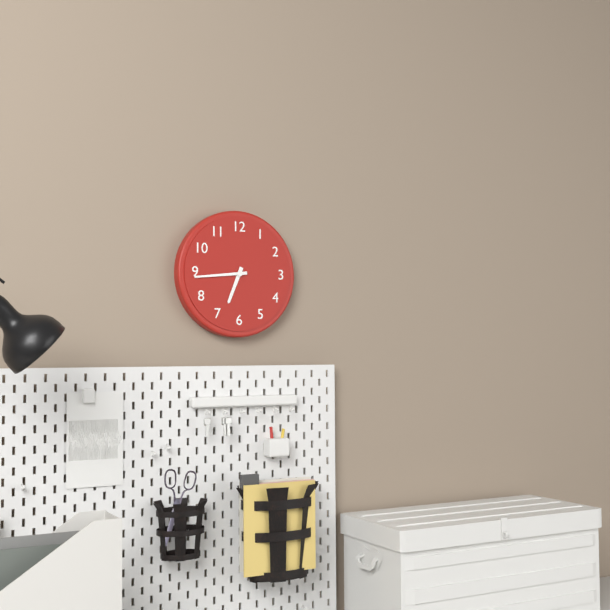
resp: 6,44
